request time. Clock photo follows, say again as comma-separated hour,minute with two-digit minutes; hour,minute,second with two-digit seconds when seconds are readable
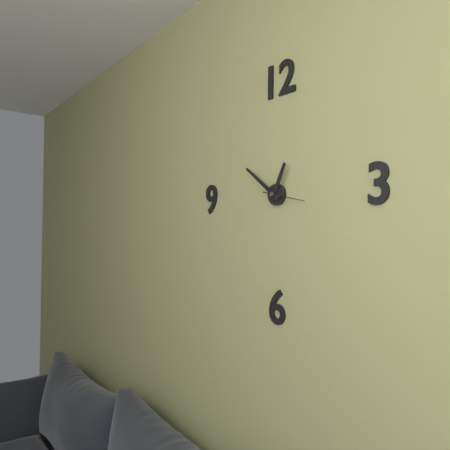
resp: 12,51
